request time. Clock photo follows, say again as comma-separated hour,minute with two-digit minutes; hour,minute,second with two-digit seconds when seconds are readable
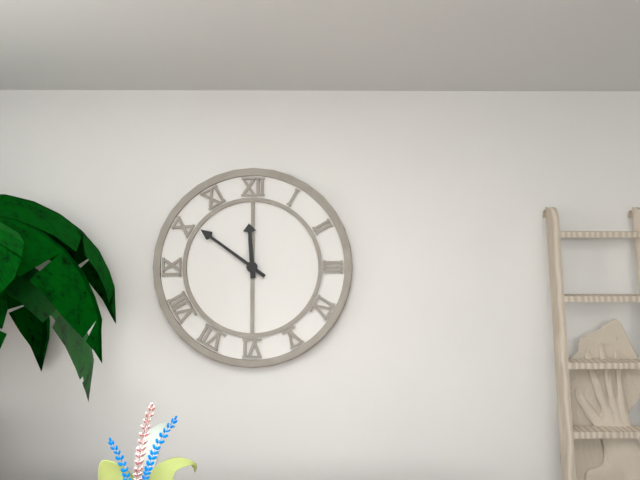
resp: 11,51
